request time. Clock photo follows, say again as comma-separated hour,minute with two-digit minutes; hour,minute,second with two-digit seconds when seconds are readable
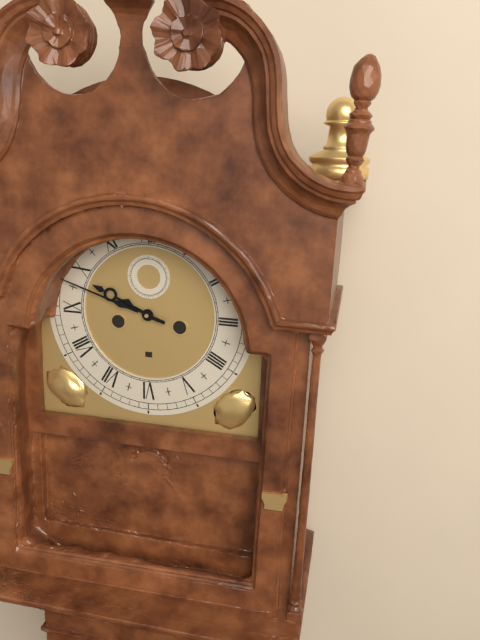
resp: 9,48
